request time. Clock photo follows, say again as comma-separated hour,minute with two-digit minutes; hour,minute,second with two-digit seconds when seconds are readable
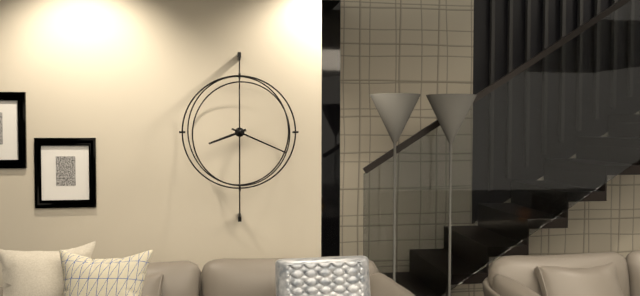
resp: 8,19
